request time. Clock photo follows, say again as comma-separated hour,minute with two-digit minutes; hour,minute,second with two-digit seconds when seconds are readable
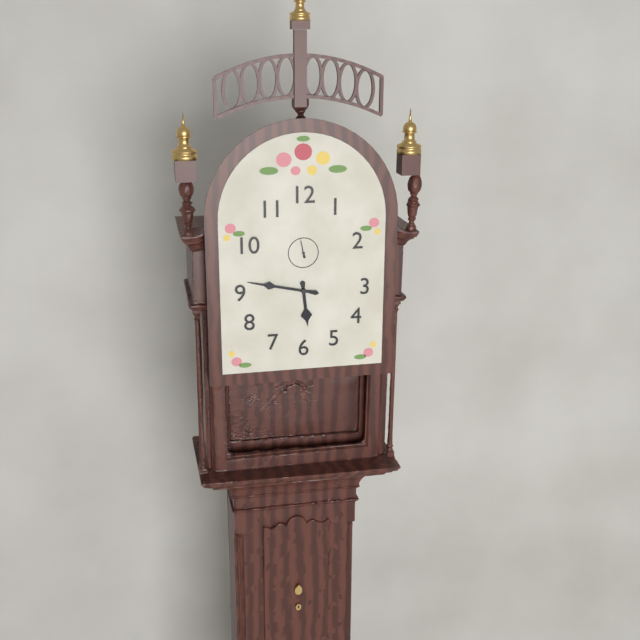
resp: 5,47
